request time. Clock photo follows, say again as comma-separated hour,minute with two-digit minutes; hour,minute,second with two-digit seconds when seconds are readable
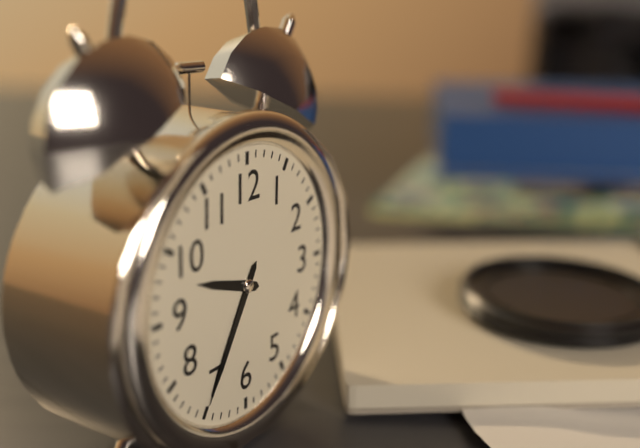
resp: 9,35
